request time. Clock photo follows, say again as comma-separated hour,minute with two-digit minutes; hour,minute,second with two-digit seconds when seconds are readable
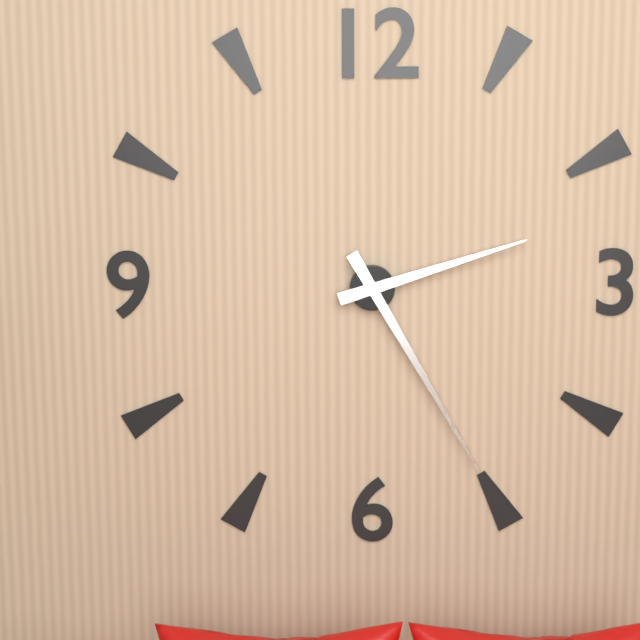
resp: 2,25
